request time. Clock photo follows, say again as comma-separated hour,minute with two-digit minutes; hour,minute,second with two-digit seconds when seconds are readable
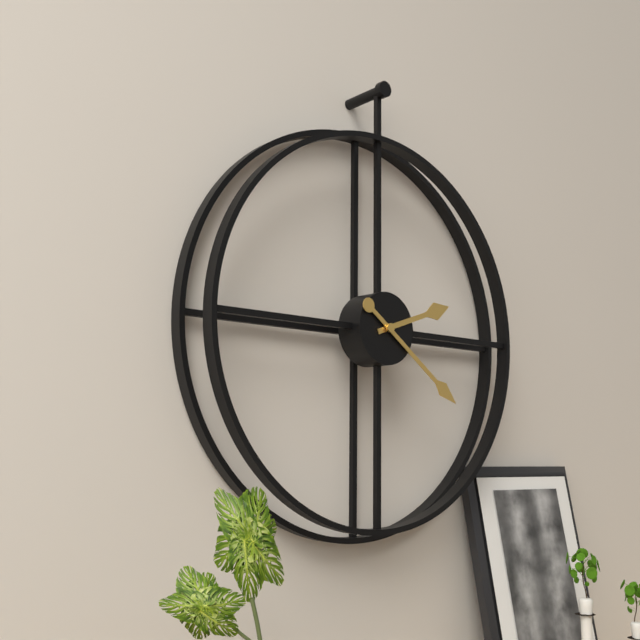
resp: 2,21
